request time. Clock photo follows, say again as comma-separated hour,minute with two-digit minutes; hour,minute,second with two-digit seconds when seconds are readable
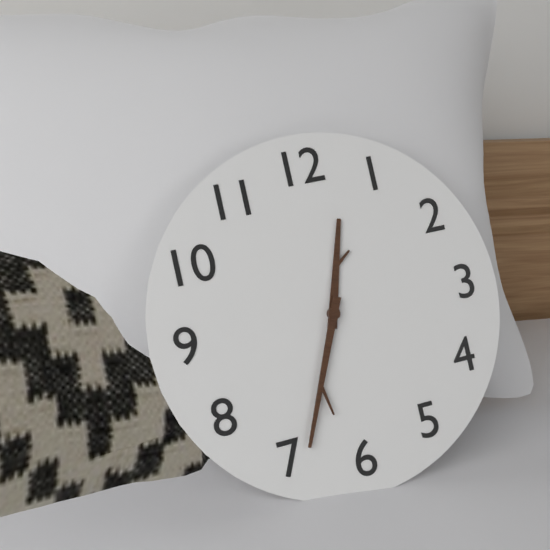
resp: 12,34
